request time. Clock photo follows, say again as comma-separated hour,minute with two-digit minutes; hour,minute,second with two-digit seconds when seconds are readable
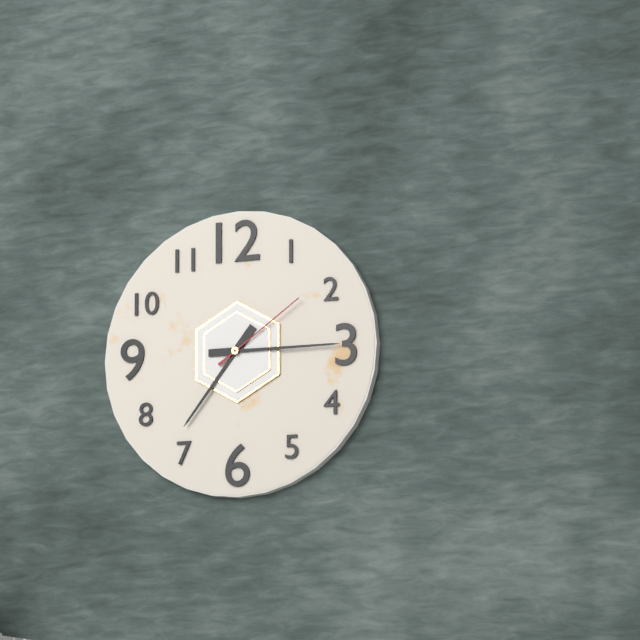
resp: 7,15,09
